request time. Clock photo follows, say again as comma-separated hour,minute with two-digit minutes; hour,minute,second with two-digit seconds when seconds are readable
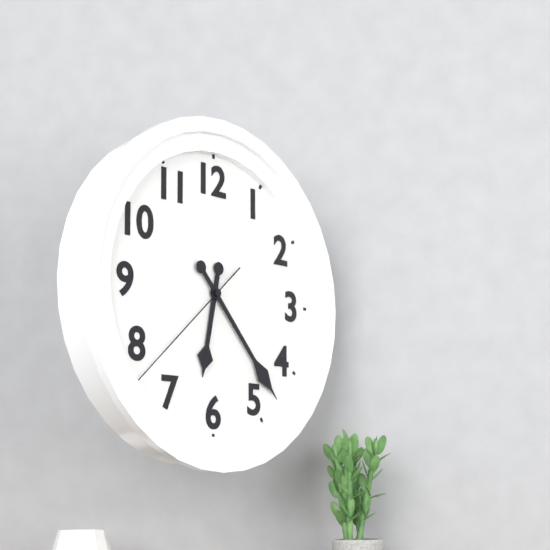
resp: 6,23,38
